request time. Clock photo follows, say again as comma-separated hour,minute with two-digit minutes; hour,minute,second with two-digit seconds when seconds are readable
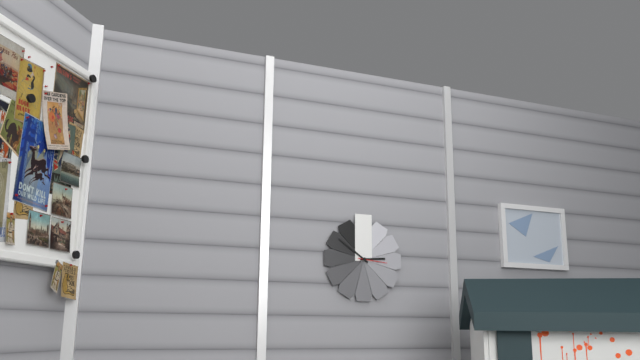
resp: 2,51
